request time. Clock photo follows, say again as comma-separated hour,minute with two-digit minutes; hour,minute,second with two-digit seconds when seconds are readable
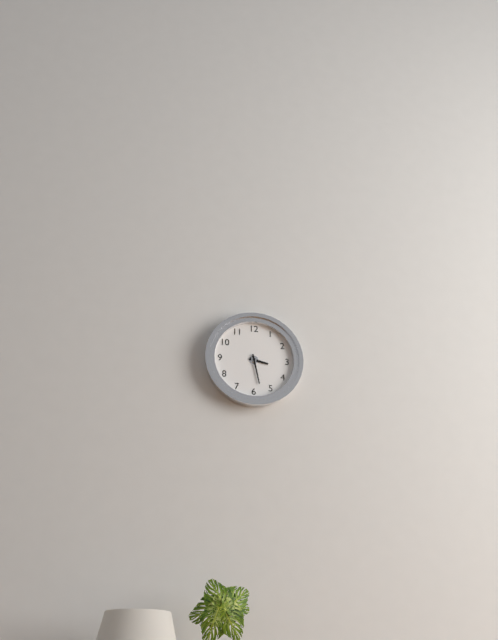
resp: 3,28
